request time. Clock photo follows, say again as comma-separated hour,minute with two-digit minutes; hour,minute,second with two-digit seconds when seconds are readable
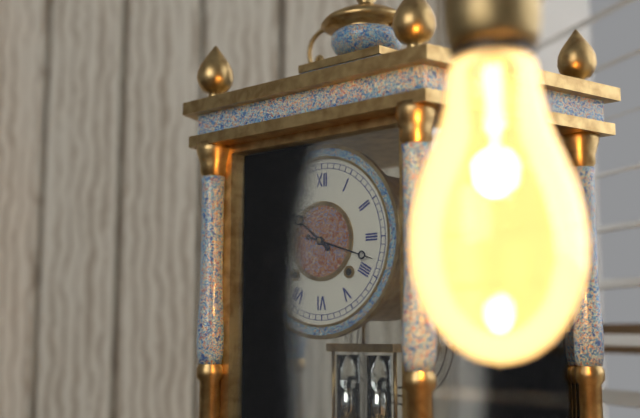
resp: 10,18
